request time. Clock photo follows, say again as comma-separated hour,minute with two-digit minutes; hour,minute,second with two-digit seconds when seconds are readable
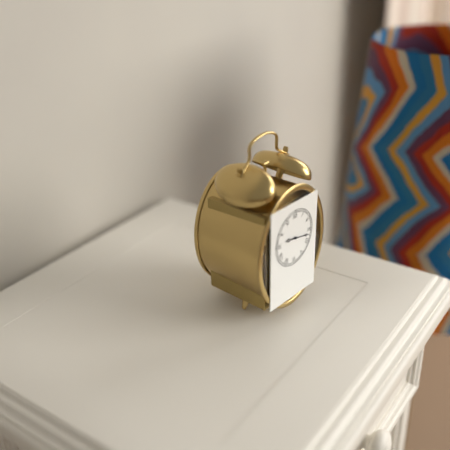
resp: 9,17
